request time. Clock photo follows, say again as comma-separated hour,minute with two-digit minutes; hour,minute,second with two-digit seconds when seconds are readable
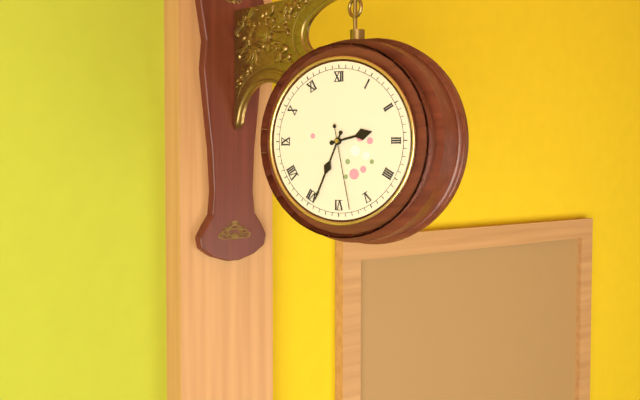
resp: 2,34,28
